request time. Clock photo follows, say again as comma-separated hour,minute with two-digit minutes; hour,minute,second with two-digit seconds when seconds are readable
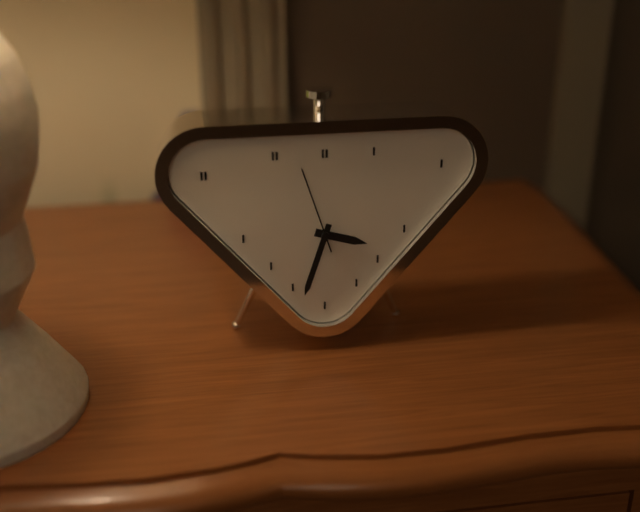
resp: 3,33,57
